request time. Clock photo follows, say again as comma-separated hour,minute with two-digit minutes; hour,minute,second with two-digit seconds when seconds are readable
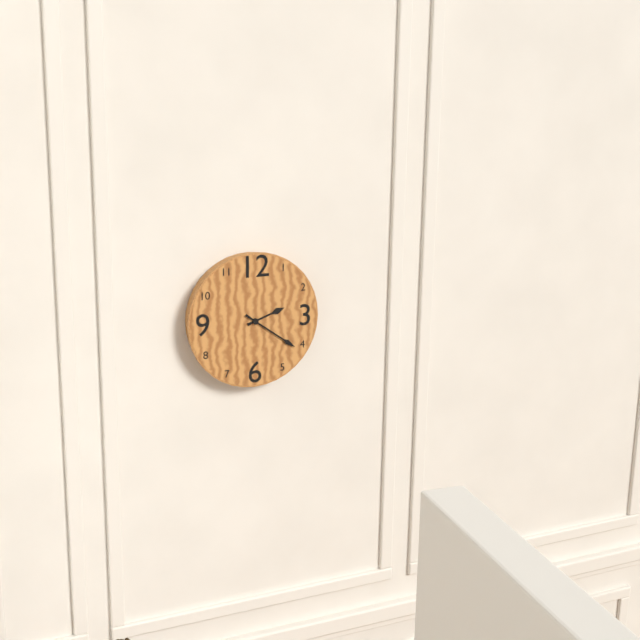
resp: 2,21
